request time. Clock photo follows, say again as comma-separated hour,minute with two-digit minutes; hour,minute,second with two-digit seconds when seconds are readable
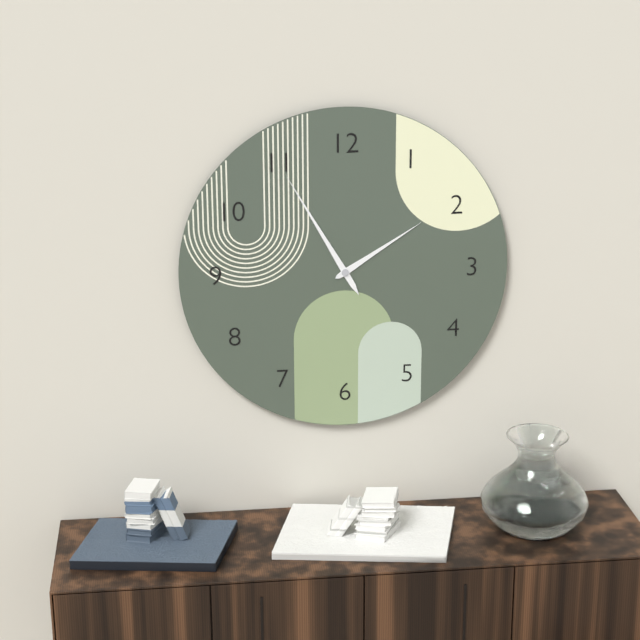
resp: 1,55
